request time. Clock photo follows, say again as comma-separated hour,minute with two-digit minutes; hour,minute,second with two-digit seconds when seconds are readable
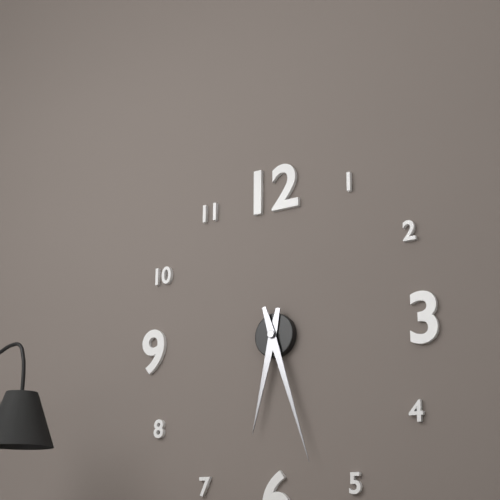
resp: 6,27
